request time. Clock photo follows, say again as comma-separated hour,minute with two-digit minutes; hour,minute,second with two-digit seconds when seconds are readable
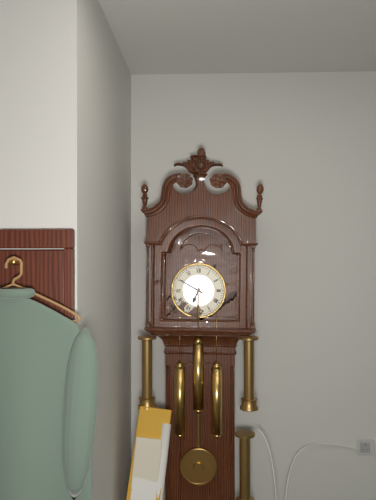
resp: 6,50
